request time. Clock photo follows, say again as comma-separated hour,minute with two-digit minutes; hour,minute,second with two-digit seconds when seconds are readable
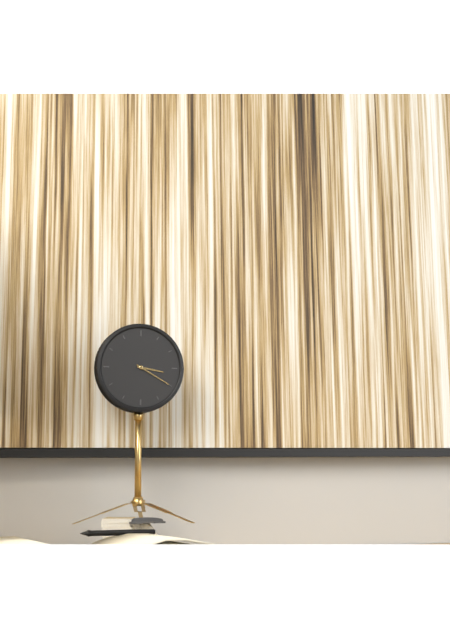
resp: 3,20
